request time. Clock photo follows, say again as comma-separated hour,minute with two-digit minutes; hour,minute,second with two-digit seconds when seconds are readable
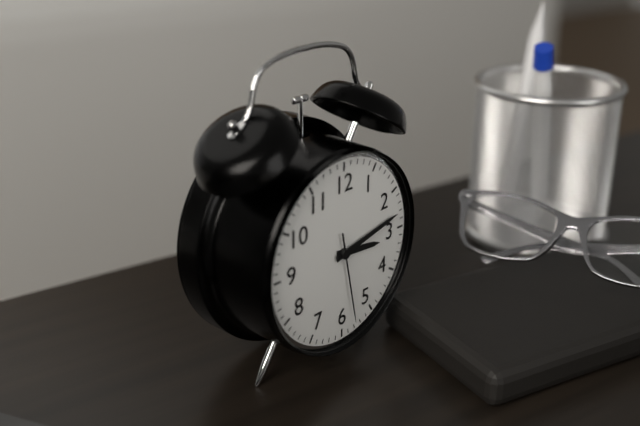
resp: 3,13,28
